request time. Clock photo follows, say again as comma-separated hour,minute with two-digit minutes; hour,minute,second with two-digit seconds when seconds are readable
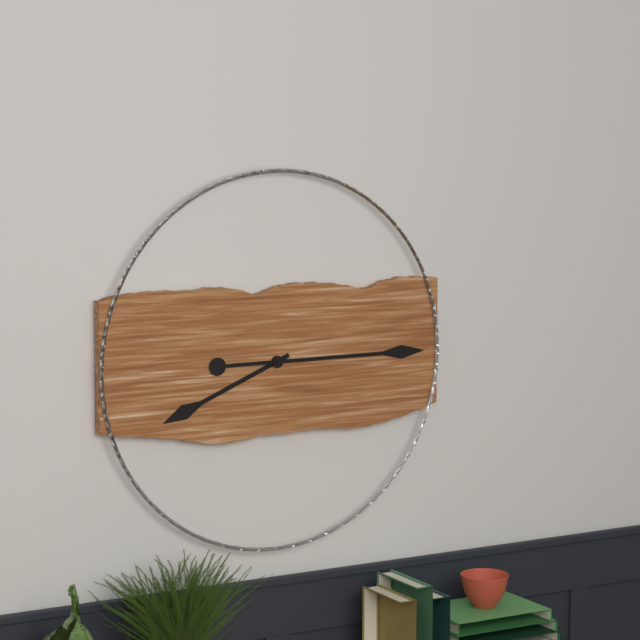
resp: 8,15
